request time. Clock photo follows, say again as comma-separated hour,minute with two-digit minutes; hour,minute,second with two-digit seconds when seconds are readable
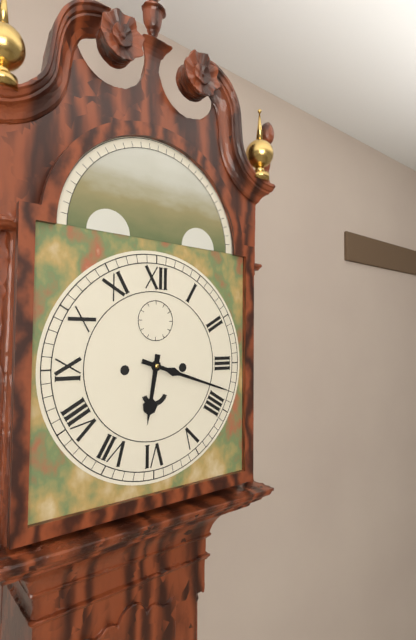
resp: 6,18
